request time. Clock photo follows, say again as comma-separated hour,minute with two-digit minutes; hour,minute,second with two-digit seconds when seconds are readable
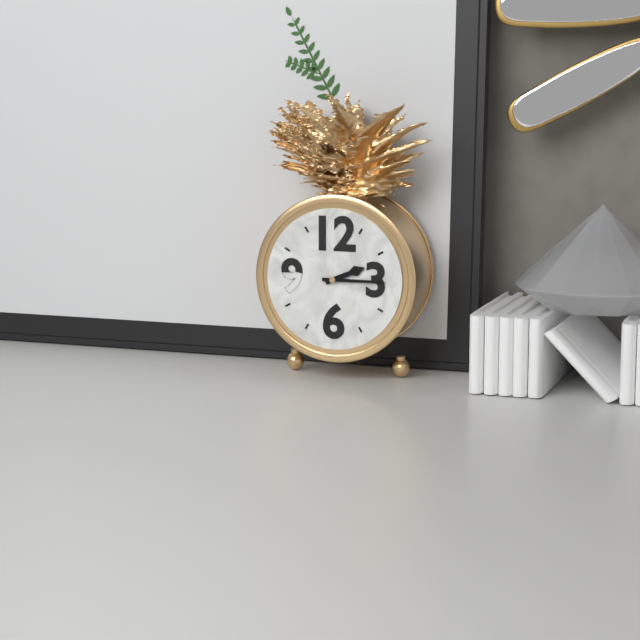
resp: 2,15
